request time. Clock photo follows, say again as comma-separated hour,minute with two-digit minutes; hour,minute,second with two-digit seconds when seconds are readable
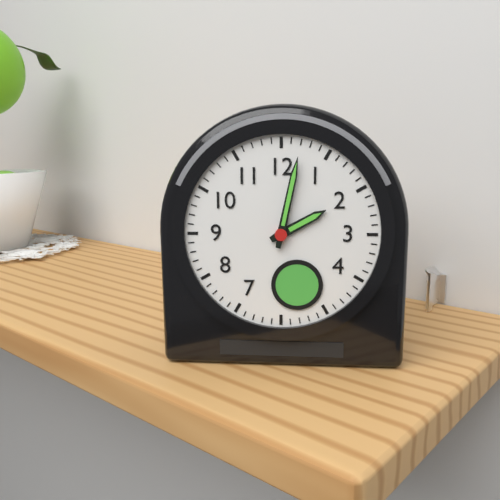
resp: 2,02
